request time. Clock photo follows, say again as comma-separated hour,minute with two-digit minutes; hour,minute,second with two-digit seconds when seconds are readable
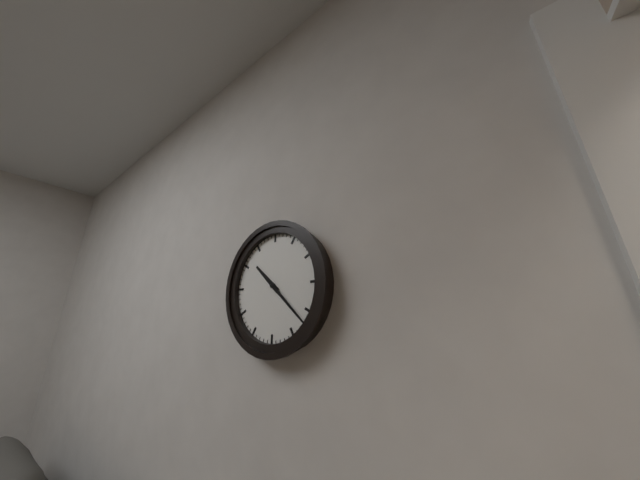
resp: 10,22
